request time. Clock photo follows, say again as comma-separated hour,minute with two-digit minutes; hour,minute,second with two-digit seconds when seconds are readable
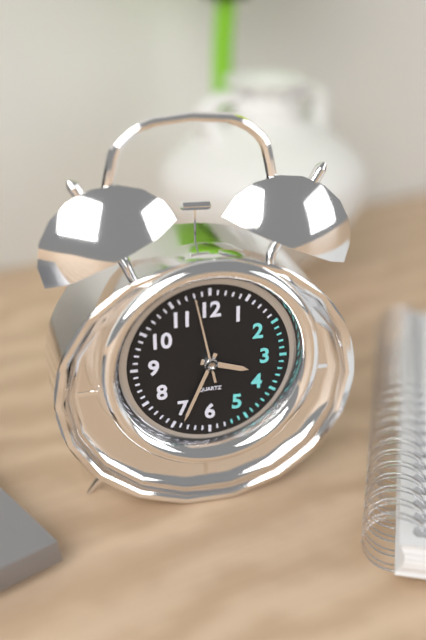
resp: 3,34,58
